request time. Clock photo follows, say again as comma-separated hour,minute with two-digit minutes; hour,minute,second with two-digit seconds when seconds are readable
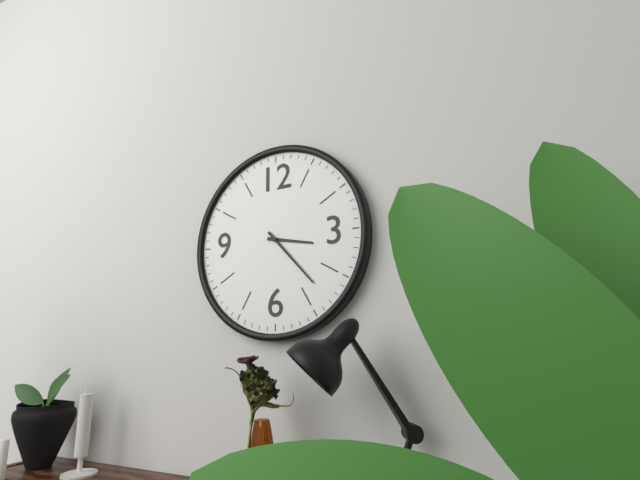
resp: 3,23
